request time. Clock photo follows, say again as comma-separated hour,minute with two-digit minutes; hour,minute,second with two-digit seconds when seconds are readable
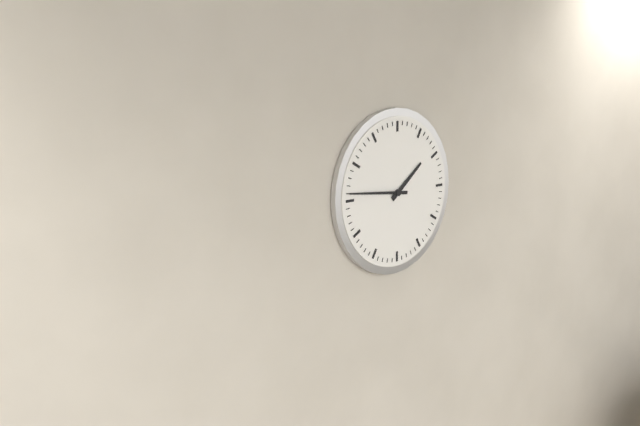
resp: 1,46
